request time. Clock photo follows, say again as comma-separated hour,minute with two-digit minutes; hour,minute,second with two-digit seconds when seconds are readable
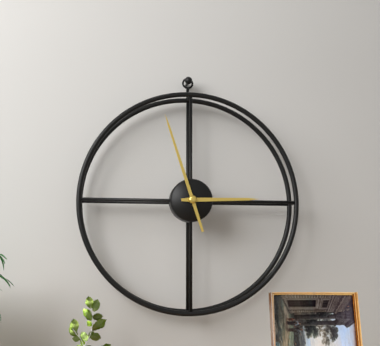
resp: 2,57
